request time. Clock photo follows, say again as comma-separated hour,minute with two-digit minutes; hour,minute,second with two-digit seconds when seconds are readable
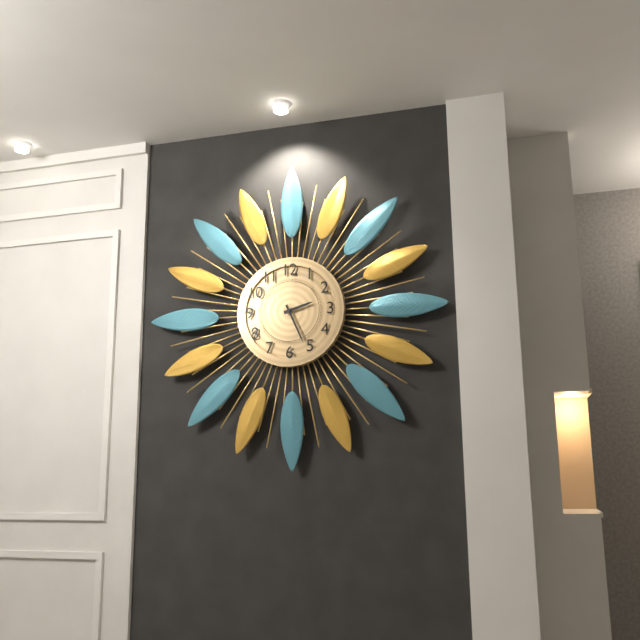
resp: 2,26
